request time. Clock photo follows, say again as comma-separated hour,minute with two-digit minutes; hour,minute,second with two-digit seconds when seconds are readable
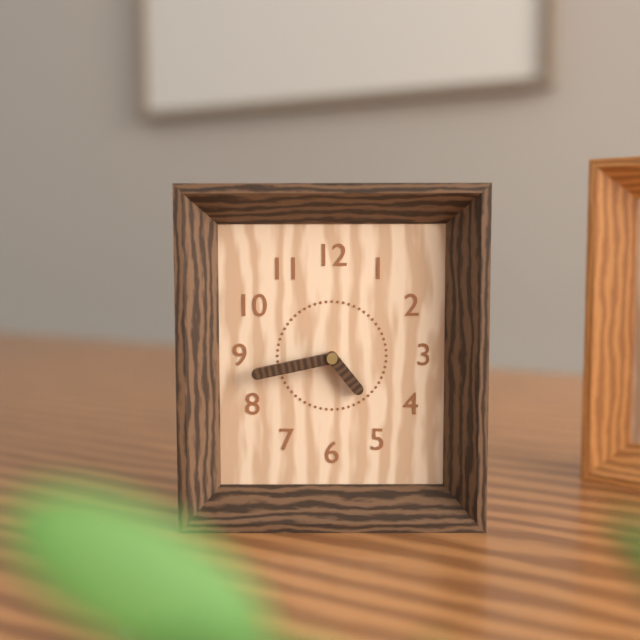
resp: 4,43
